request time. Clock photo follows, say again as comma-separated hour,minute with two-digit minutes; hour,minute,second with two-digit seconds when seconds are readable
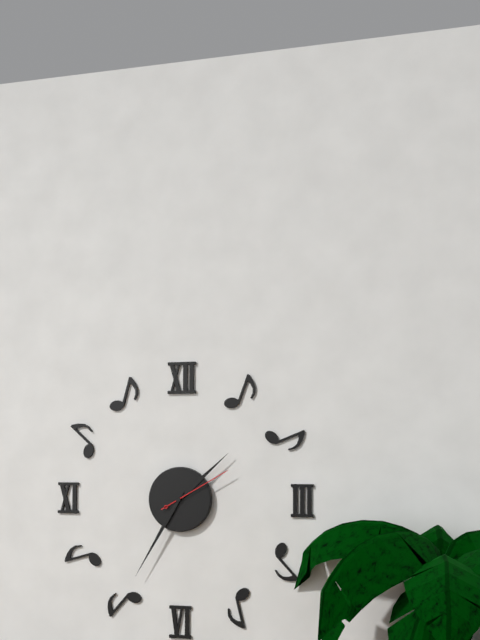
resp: 1,35,10
